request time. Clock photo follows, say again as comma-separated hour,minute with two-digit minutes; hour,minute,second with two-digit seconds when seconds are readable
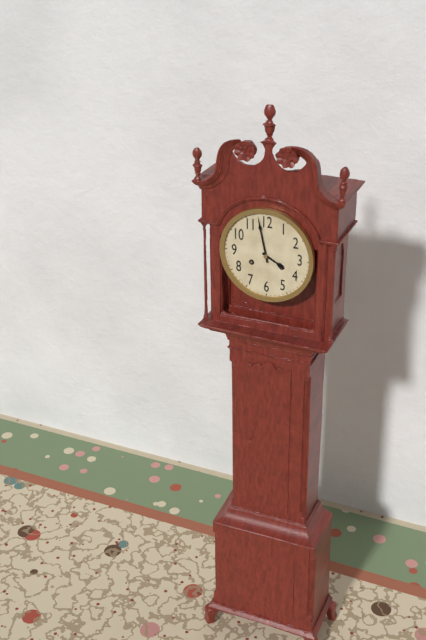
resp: 3,58
